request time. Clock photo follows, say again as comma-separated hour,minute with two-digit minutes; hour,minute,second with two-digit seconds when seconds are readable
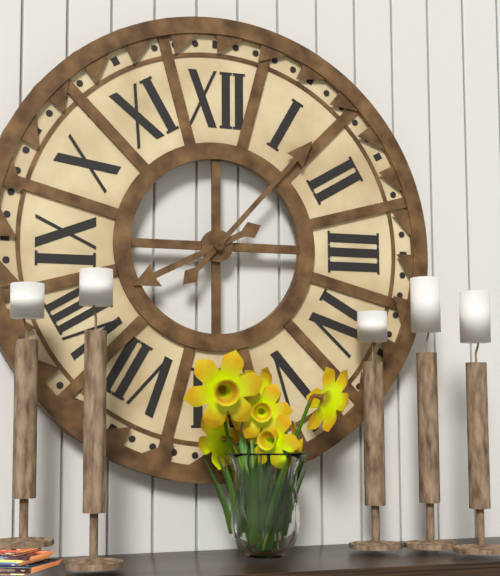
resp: 8,07
